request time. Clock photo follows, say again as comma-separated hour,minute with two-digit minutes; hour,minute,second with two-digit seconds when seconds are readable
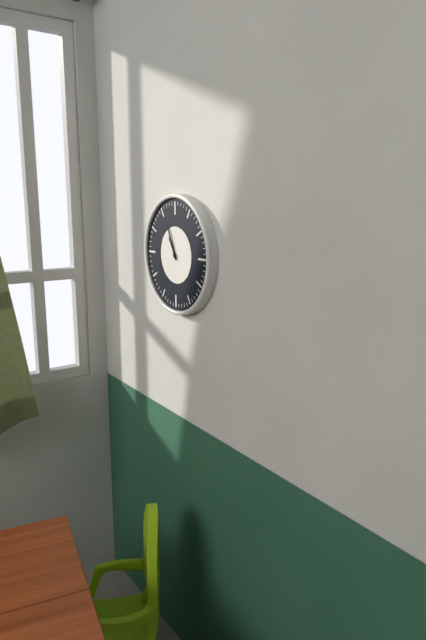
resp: 10,56
